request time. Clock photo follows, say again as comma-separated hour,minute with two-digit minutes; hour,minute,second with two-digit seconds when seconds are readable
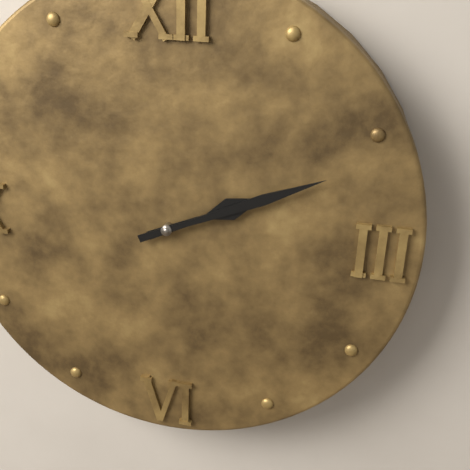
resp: 2,11
